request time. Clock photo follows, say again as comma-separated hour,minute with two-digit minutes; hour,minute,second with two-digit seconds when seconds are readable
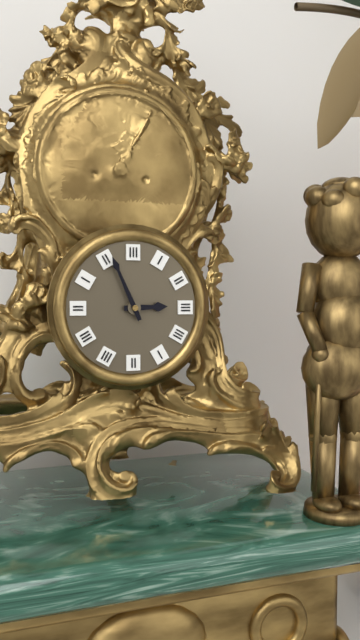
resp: 2,56
